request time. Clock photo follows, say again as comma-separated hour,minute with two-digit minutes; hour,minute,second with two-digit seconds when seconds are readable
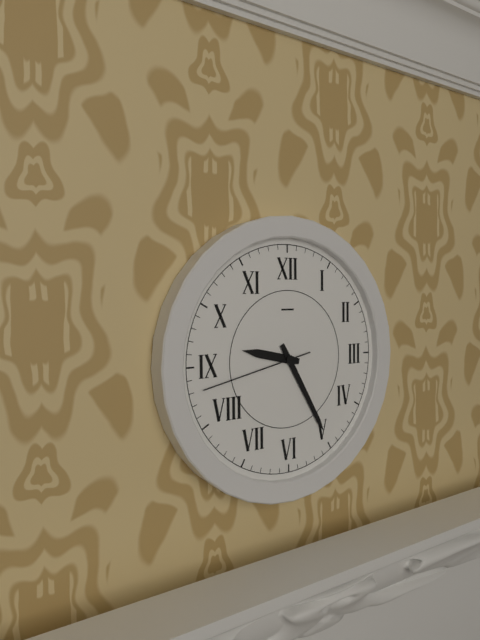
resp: 9,25,43
